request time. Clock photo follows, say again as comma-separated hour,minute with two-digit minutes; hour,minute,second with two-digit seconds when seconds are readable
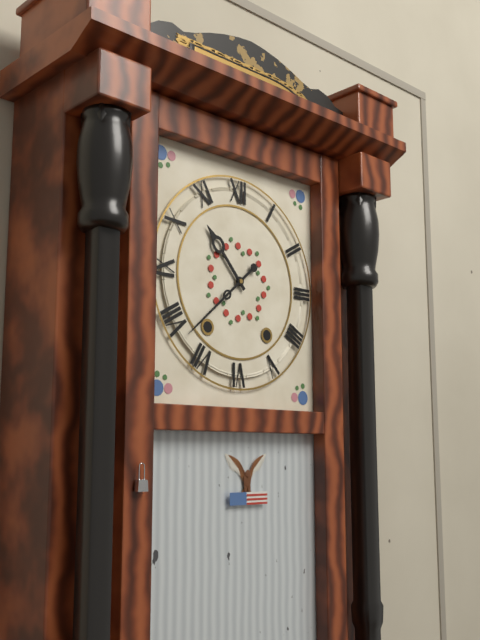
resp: 10,38
